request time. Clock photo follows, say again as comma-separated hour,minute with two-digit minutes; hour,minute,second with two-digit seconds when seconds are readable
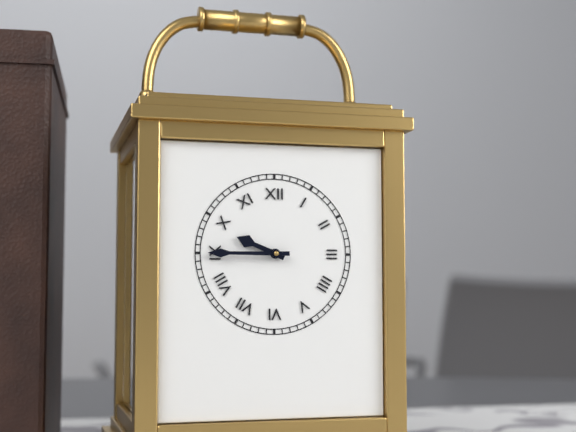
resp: 9,45
